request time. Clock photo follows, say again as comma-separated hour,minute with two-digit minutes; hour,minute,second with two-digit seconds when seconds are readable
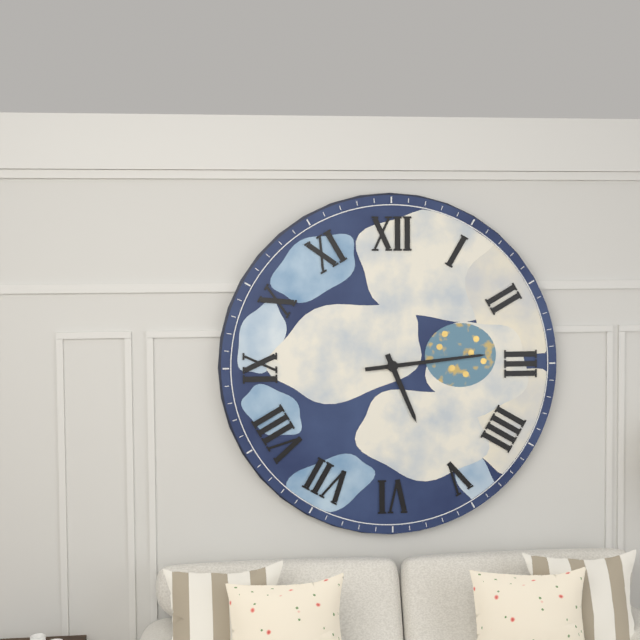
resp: 5,14
